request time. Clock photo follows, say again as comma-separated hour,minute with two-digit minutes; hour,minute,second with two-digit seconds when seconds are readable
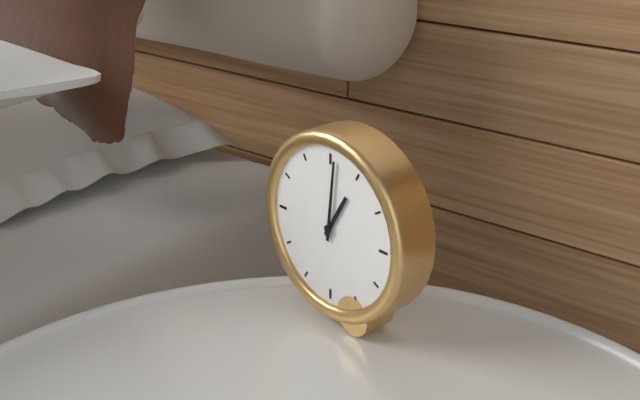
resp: 1,01
